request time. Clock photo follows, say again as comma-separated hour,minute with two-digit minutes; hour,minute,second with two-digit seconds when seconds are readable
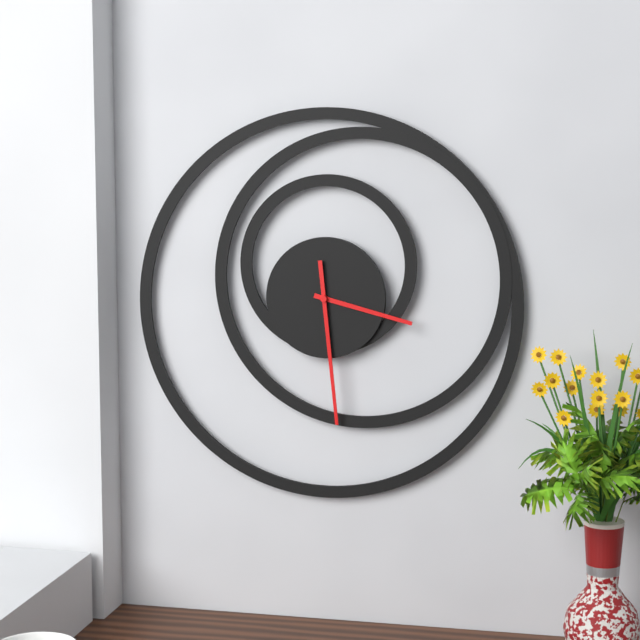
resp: 3,29
